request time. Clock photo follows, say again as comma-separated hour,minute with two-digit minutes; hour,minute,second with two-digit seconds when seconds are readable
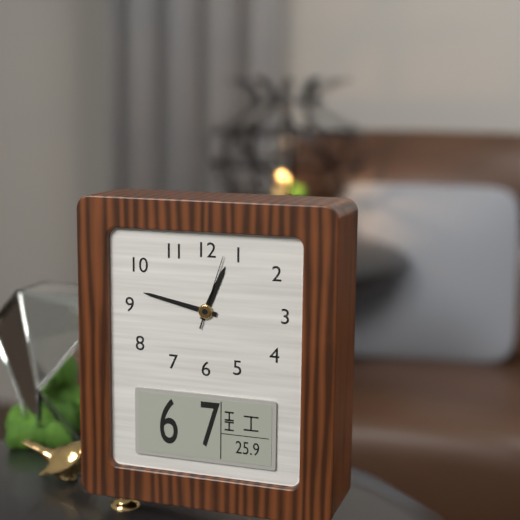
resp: 12,47,03
